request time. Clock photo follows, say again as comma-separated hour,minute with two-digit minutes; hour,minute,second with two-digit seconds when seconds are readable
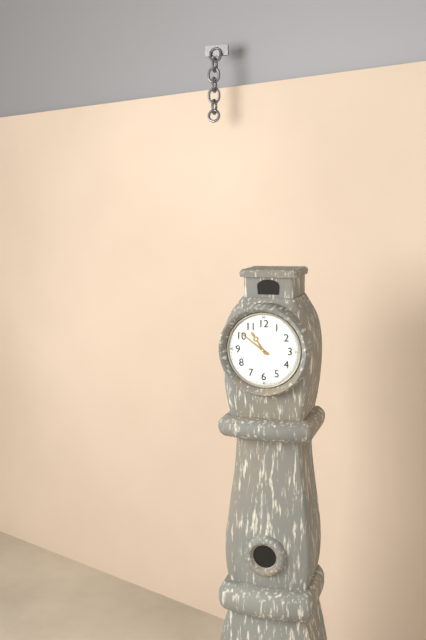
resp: 10,51
